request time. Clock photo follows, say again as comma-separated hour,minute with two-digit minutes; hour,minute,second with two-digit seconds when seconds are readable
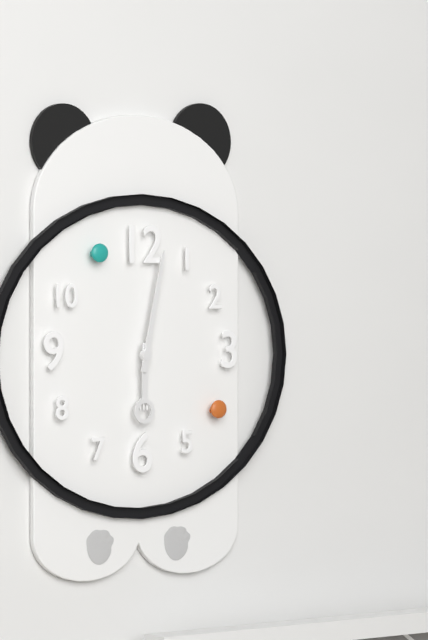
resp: 6,02
